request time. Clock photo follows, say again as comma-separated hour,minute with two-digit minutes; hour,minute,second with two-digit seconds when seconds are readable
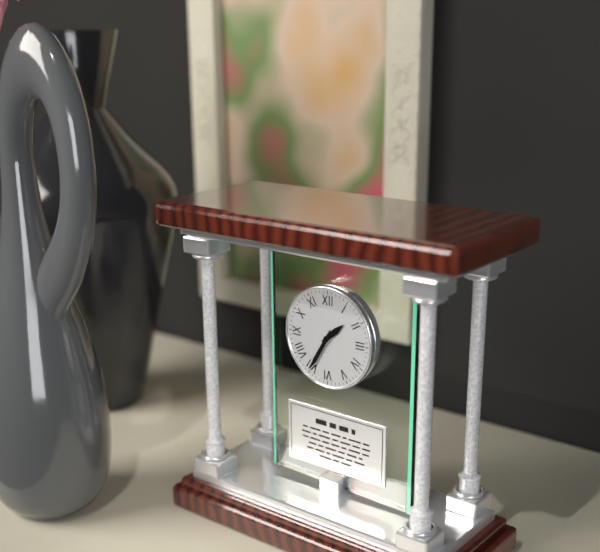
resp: 1,35
